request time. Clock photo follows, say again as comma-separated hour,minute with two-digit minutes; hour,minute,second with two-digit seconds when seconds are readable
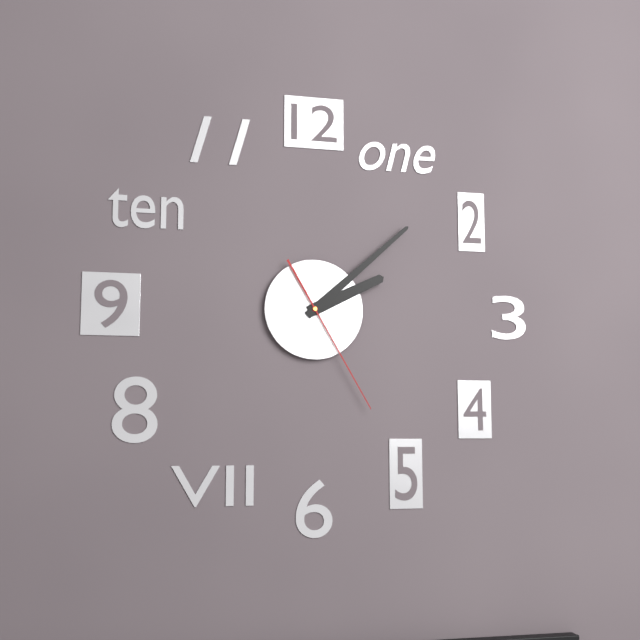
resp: 2,08,25
